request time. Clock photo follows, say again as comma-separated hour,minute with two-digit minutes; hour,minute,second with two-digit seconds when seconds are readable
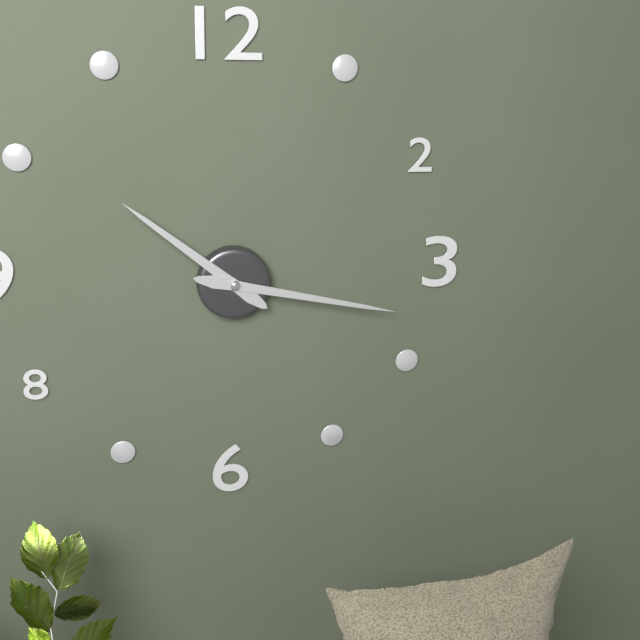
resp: 10,17
